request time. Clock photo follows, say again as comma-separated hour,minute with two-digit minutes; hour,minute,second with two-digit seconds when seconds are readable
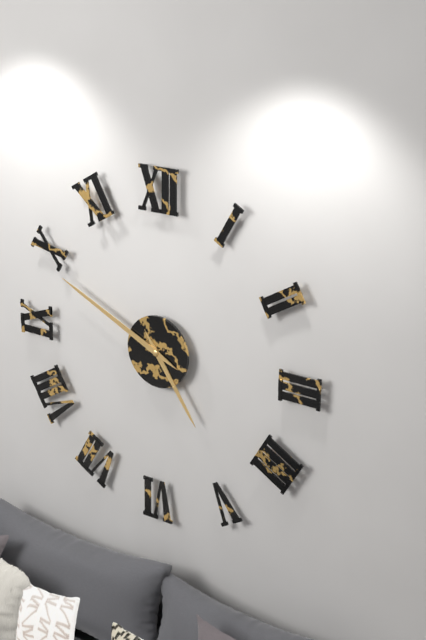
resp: 4,49
